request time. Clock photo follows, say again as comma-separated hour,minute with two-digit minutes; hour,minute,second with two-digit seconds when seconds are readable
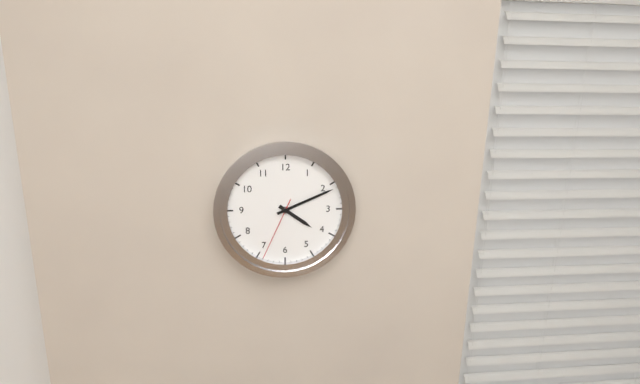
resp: 4,11,34
